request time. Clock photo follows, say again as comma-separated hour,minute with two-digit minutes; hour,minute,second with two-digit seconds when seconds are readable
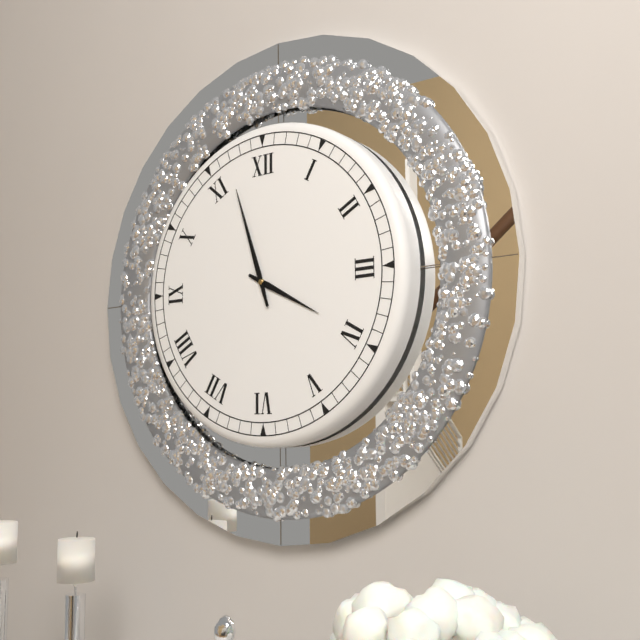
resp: 3,57
